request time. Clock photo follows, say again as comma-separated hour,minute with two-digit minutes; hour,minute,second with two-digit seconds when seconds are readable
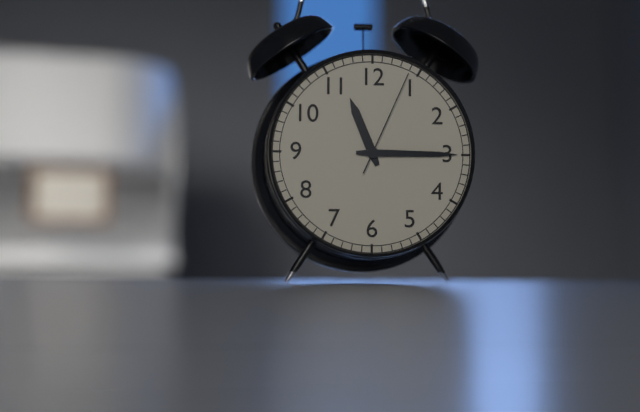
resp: 11,15,04
